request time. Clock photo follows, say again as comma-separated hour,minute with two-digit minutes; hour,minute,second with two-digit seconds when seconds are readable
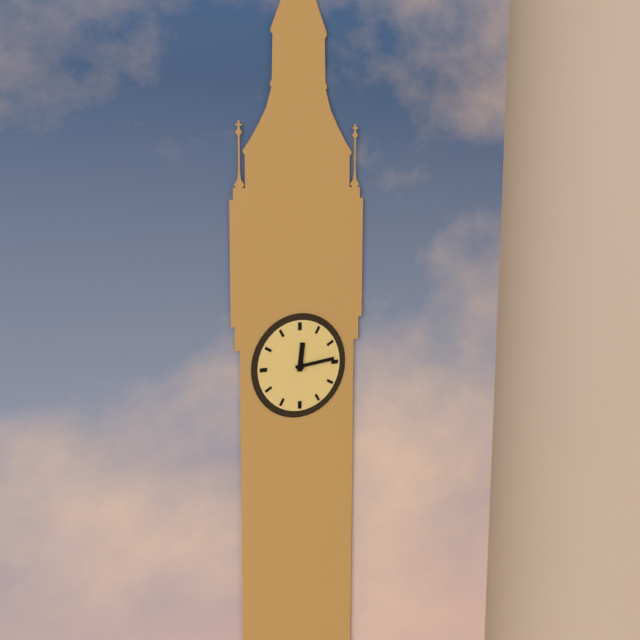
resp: 12,14
